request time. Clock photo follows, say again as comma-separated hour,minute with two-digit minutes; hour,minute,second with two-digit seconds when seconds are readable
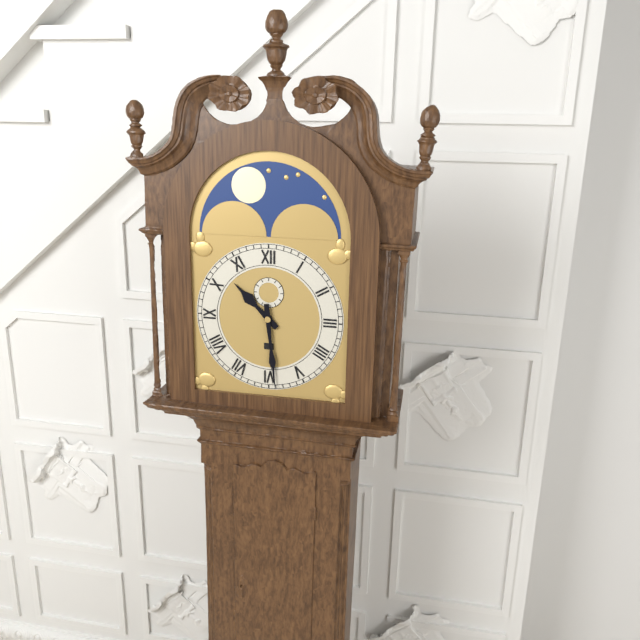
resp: 10,29
